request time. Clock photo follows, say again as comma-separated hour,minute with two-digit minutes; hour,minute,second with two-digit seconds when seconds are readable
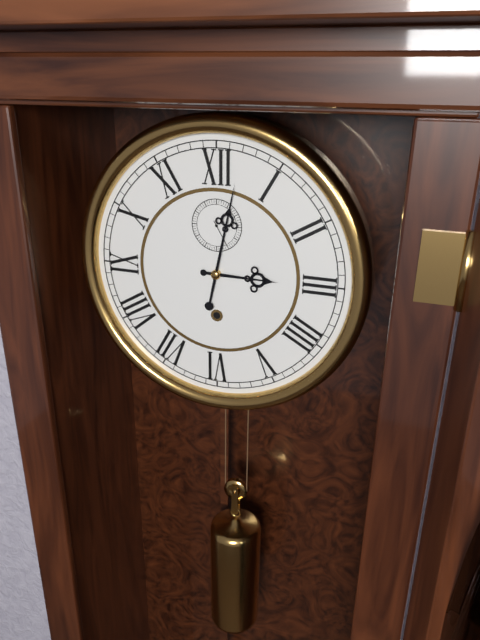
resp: 3,02
